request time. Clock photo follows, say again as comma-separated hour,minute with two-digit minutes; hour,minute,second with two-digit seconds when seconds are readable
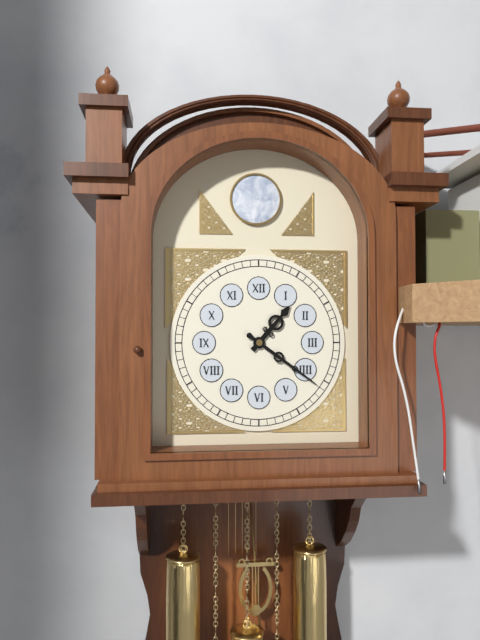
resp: 1,21
